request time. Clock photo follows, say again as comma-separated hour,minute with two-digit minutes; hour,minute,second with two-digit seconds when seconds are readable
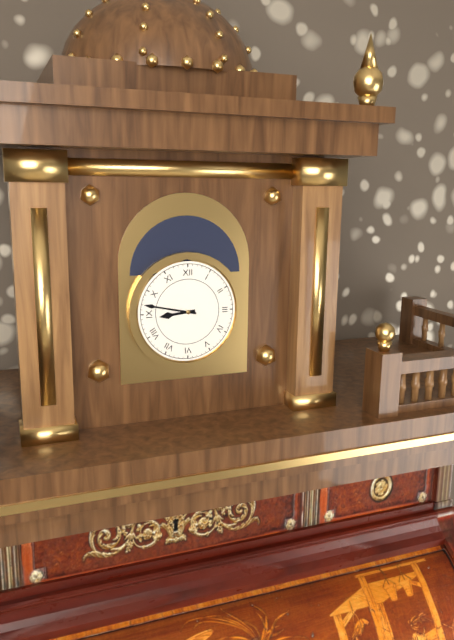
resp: 8,47
